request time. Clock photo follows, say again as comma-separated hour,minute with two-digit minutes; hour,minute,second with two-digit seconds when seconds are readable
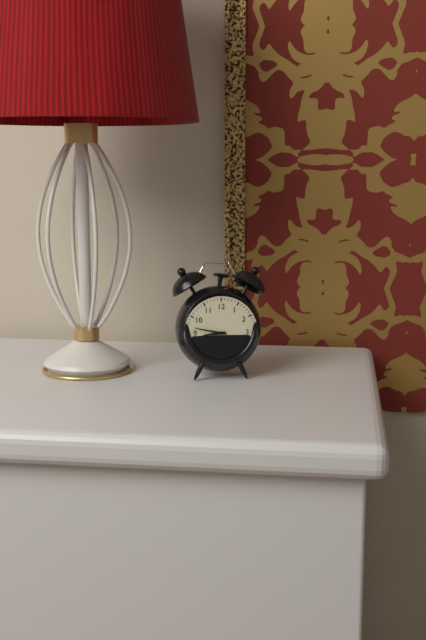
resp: 8,47
